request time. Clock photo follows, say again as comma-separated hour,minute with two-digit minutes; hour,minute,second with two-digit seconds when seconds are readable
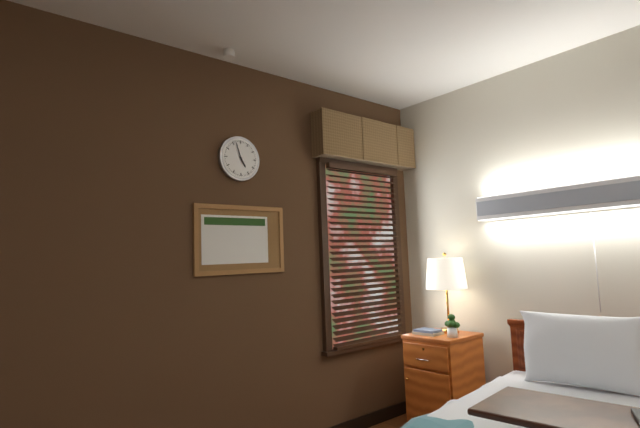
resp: 4,57
